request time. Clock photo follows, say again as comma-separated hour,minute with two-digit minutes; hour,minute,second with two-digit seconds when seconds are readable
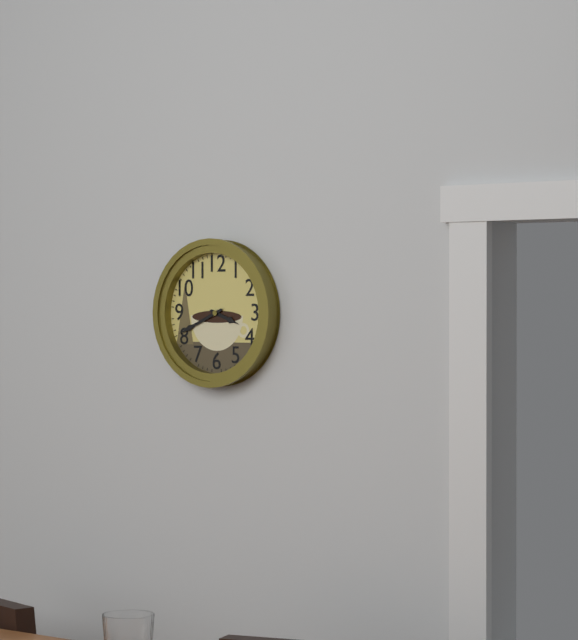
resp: 3,41
